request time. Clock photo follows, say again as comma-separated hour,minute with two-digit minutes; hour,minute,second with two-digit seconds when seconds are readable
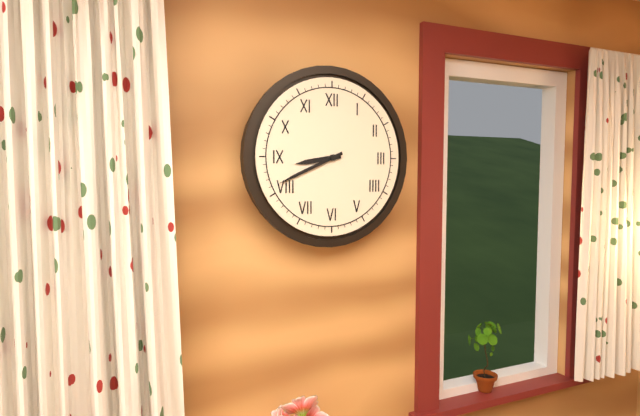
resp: 8,41
